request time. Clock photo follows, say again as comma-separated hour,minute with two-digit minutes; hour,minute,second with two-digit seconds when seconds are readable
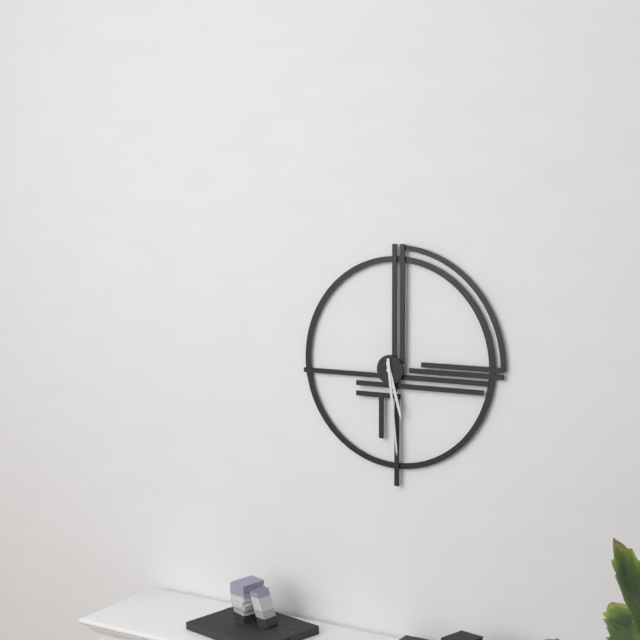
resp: 5,29
